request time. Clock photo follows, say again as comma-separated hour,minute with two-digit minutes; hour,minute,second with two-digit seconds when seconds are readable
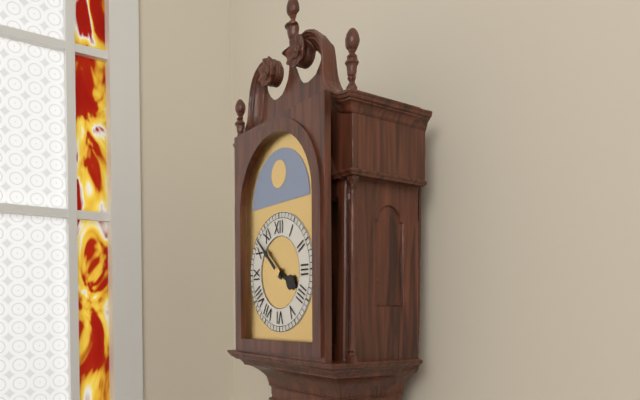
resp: 3,52
